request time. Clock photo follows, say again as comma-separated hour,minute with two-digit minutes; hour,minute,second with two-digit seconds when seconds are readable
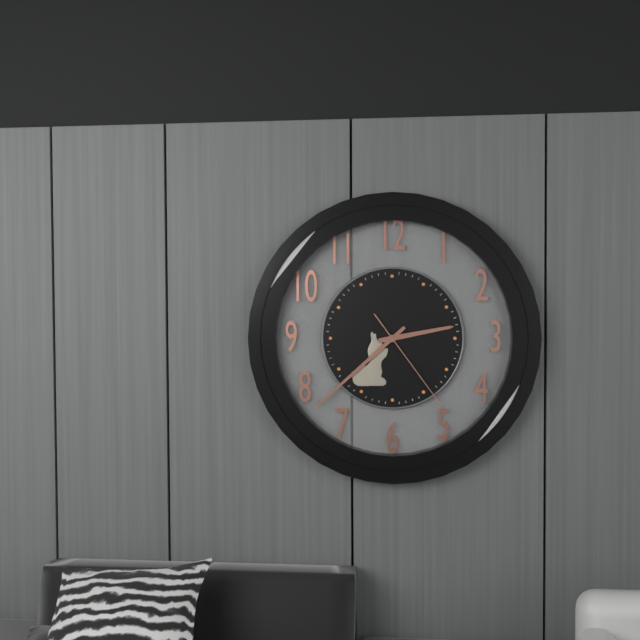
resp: 2,38,24
